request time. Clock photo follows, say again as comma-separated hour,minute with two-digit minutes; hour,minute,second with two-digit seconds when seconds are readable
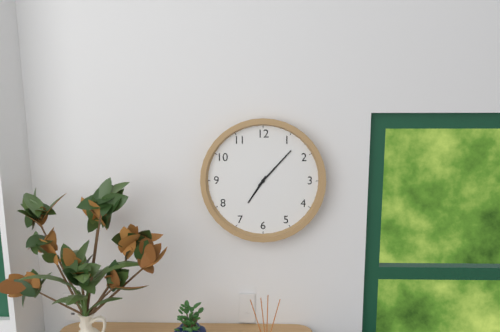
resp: 7,07
